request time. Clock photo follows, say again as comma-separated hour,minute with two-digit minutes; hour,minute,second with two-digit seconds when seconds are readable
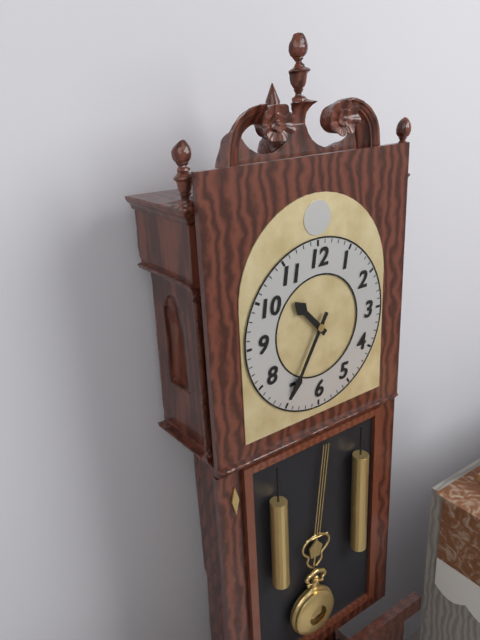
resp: 10,35
